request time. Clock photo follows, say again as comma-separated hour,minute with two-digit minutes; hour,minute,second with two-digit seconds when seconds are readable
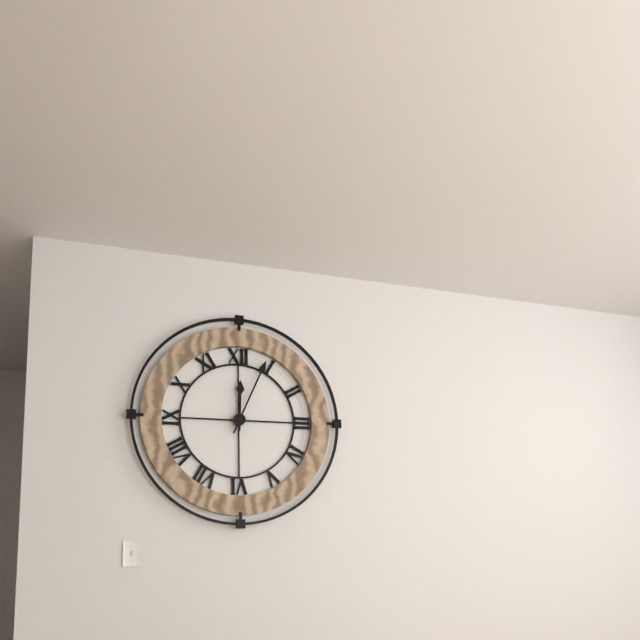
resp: 12,04
